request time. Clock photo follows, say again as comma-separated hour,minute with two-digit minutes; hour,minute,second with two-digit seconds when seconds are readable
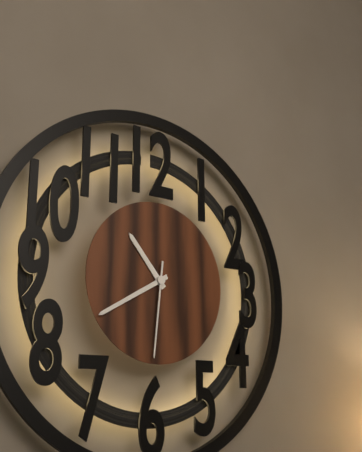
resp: 10,40,31
